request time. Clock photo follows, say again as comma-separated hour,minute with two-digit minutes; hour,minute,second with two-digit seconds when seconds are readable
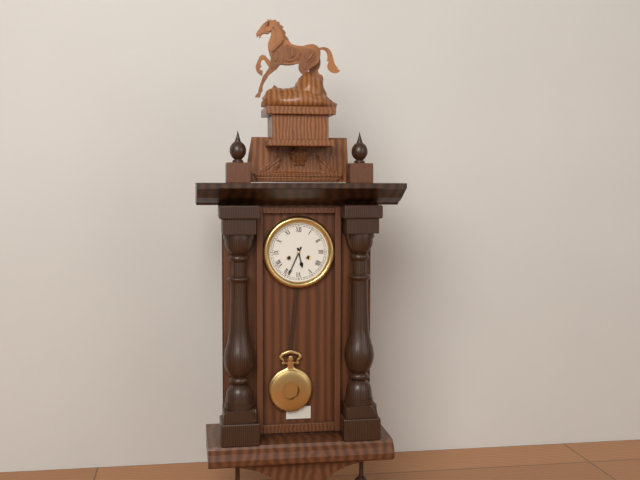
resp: 5,34
